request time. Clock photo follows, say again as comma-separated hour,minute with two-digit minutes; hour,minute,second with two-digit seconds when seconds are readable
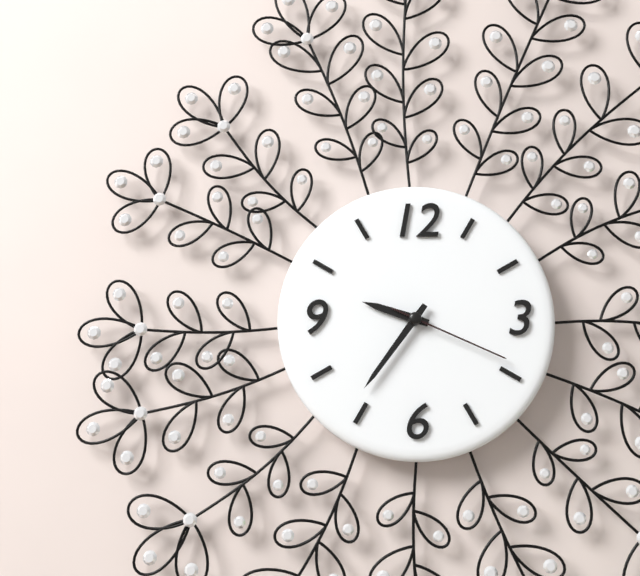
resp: 9,36,19
